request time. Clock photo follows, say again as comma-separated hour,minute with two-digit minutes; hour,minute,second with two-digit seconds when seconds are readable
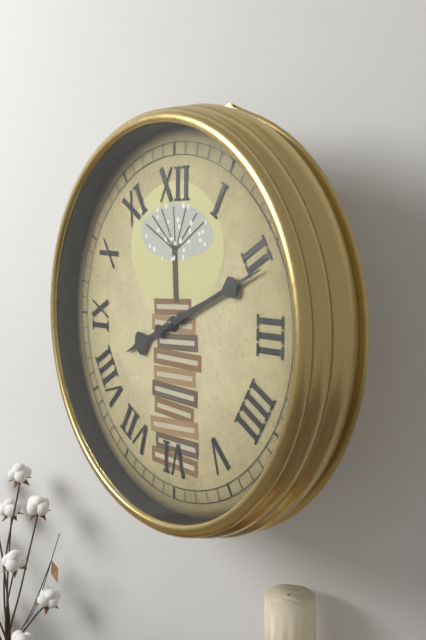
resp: 8,11
